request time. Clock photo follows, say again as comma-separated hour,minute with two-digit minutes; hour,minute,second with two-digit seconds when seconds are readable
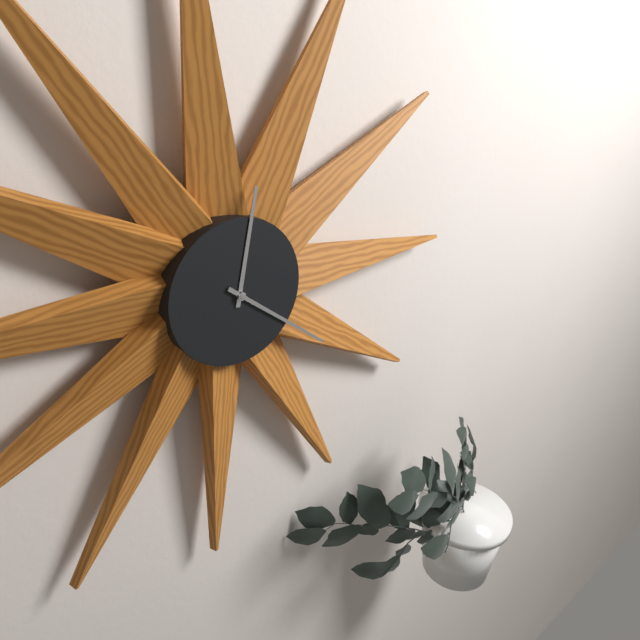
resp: 12,21
